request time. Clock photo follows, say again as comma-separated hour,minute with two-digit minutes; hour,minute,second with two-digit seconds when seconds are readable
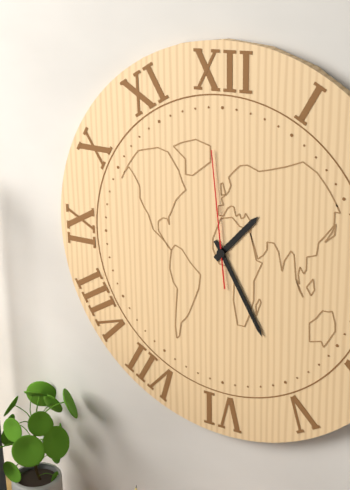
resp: 1,25,59
